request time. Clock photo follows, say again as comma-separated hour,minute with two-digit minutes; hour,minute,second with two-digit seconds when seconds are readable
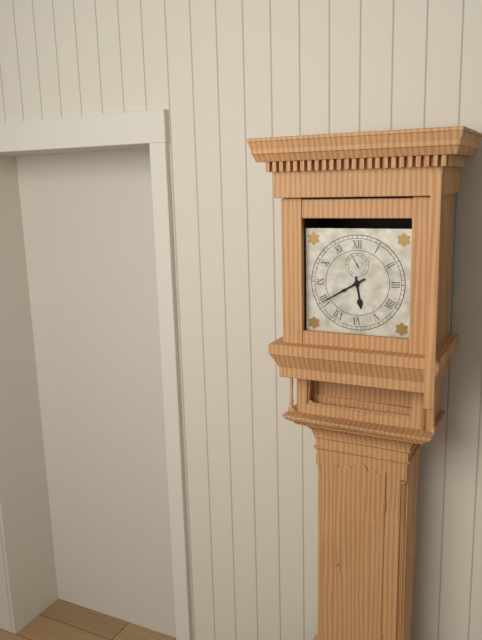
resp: 5,40
